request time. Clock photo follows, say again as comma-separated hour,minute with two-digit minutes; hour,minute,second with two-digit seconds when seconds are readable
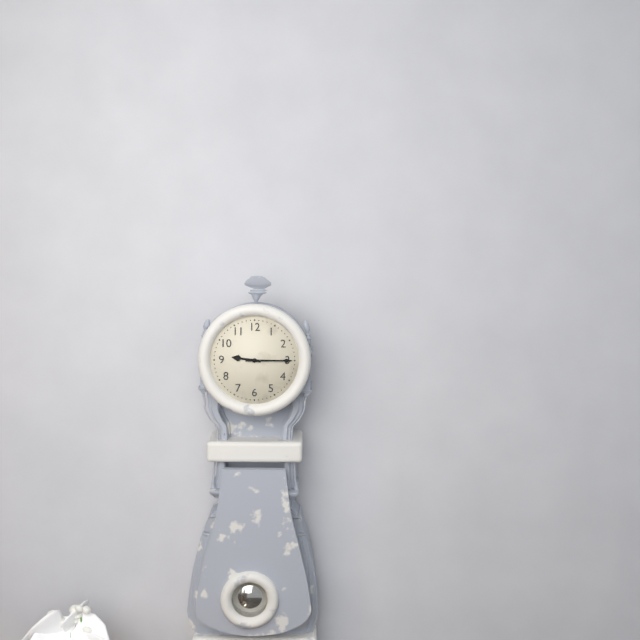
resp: 9,15
